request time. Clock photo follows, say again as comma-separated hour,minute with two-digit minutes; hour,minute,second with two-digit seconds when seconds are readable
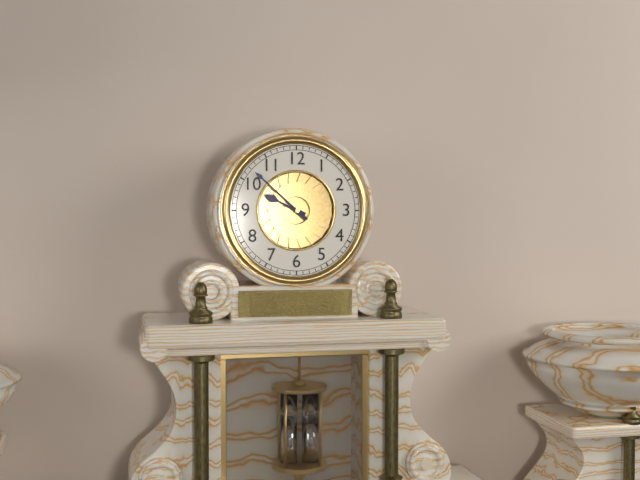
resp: 9,52
